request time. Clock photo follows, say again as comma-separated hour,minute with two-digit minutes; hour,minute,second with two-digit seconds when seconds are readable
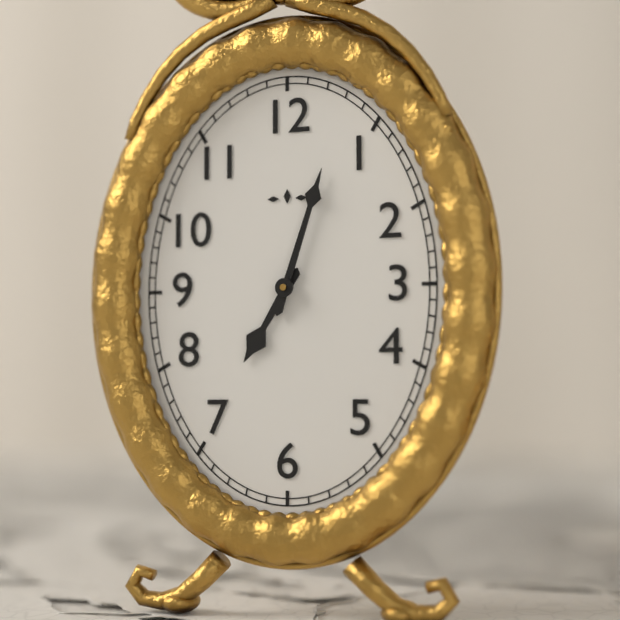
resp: 7,03
